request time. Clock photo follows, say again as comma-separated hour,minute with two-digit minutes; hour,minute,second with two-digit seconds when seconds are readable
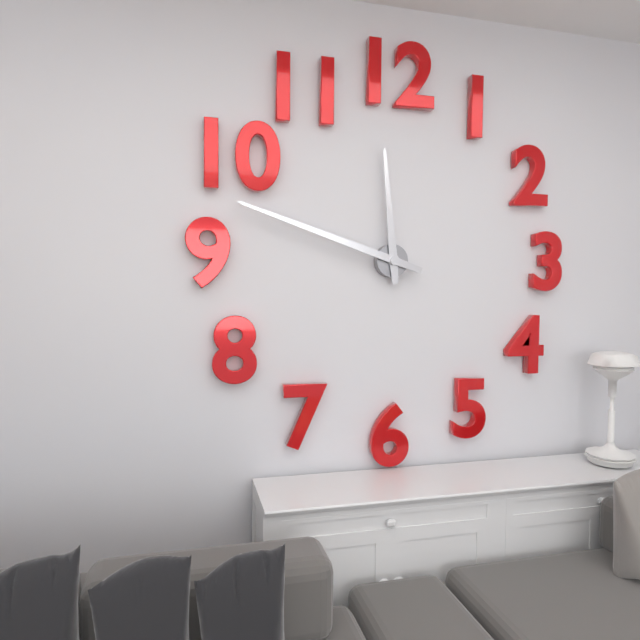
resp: 11,48
